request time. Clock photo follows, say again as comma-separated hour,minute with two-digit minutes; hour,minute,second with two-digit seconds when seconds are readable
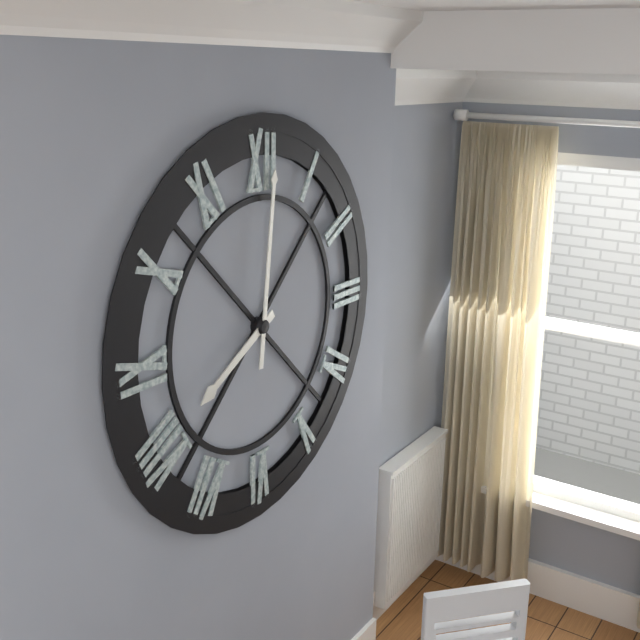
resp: 8,01
